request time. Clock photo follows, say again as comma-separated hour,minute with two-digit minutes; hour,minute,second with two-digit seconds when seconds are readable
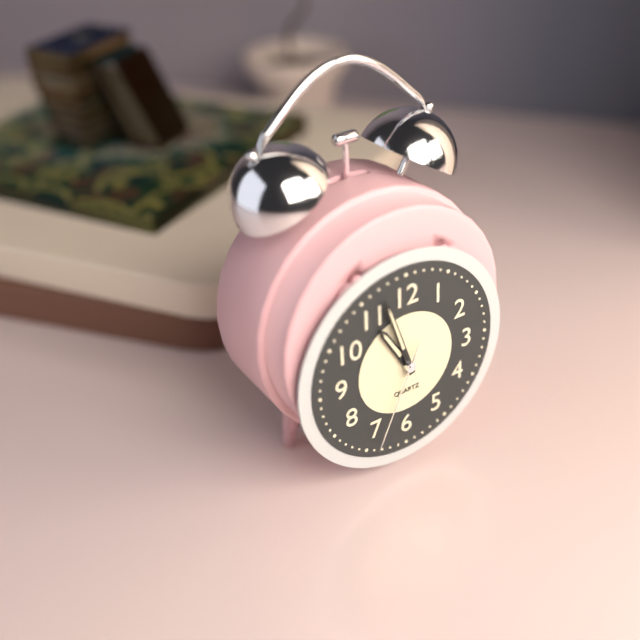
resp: 10,57,34
